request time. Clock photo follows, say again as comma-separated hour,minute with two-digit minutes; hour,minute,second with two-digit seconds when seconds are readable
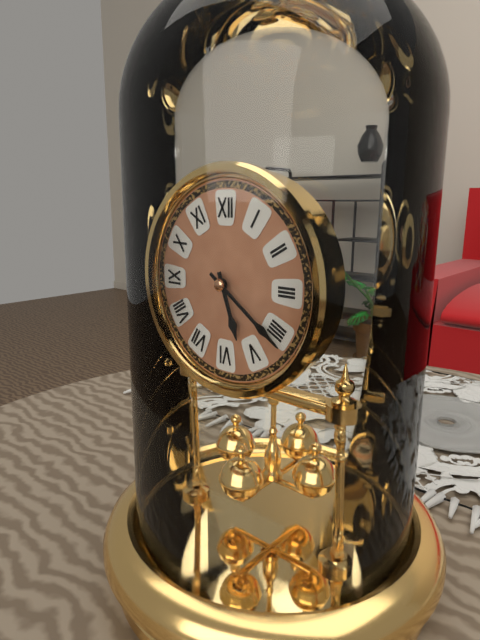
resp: 5,21
